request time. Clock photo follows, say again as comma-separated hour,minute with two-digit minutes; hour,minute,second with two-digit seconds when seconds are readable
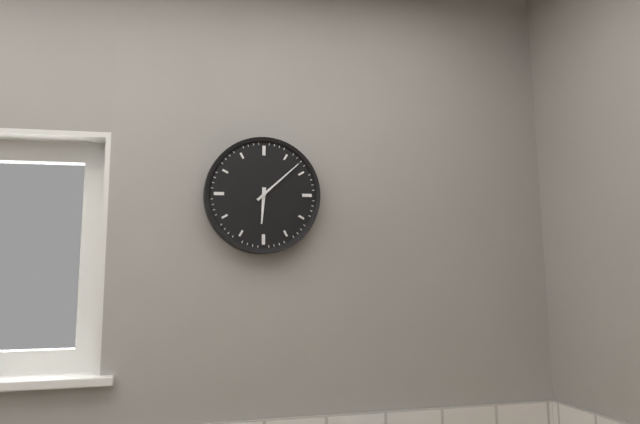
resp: 6,08
